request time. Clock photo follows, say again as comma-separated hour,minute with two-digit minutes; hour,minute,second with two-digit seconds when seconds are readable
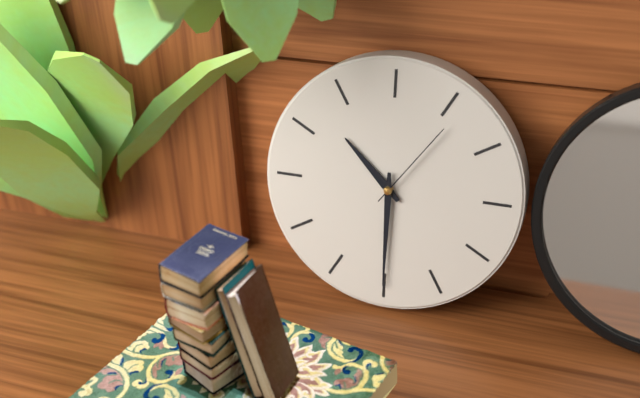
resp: 10,30,06
